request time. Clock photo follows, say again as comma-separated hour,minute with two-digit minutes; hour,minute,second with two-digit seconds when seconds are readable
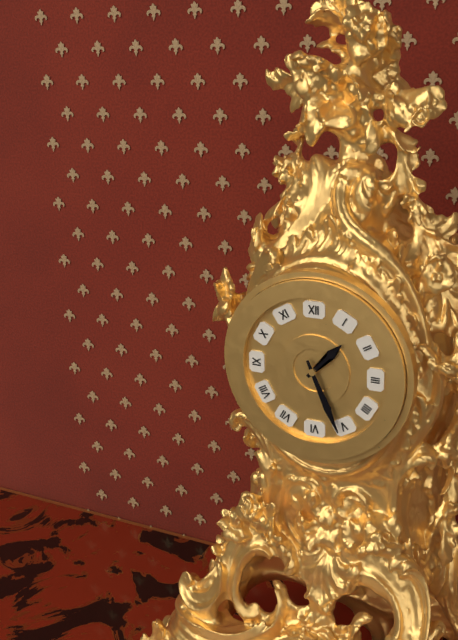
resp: 1,26
